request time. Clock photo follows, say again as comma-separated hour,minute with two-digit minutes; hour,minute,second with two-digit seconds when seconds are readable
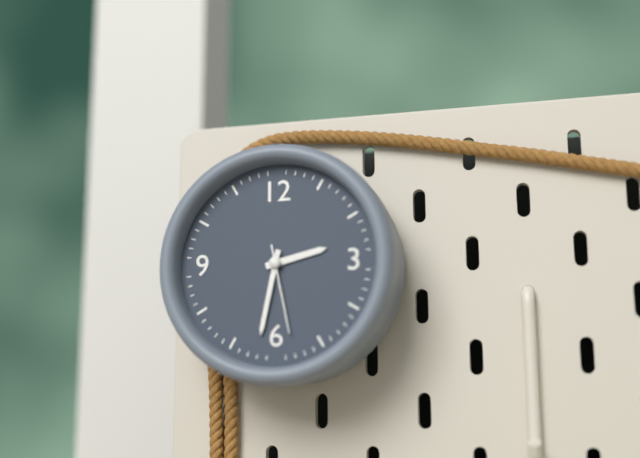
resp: 2,32,28
